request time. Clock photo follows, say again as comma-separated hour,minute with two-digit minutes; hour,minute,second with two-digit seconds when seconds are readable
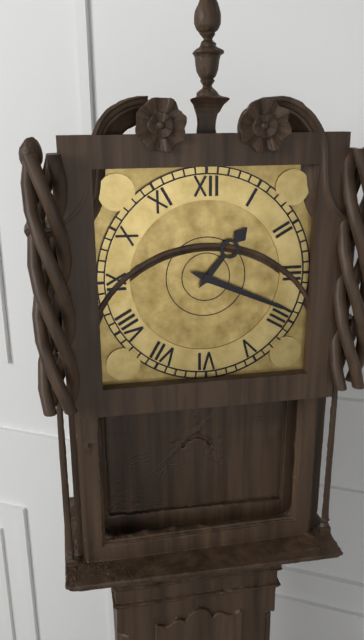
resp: 1,19
